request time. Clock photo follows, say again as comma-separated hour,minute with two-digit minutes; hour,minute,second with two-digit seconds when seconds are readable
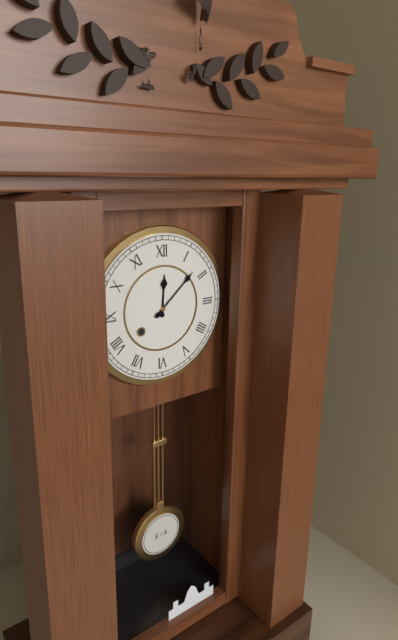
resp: 12,08
